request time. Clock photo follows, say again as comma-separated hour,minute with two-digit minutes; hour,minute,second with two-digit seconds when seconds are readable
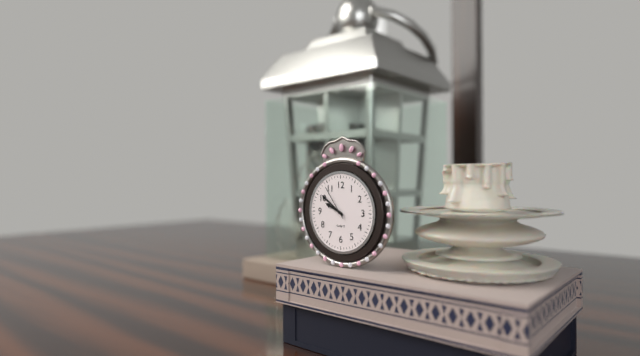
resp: 9,51
